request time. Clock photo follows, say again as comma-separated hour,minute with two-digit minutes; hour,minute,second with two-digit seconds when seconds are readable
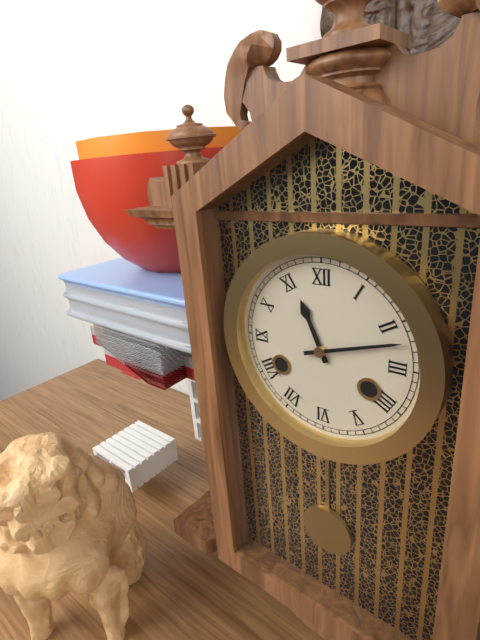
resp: 11,12
